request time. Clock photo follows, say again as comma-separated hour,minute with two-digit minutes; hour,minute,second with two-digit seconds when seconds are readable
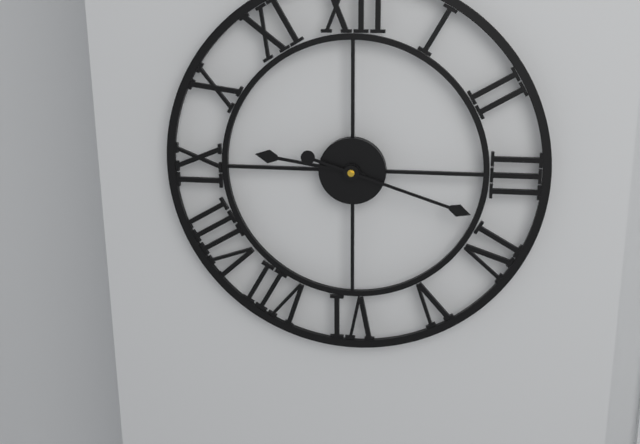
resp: 9,18
